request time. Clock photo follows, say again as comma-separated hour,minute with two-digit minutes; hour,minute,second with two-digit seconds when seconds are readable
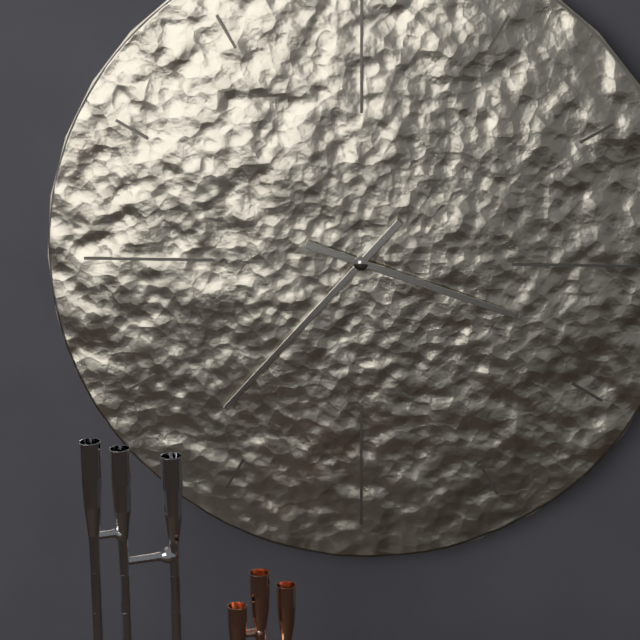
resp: 3,37
